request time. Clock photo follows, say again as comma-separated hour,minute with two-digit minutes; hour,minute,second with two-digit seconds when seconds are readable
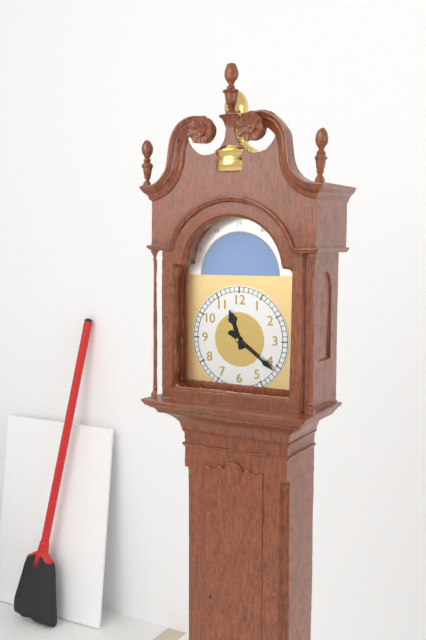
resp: 11,21
